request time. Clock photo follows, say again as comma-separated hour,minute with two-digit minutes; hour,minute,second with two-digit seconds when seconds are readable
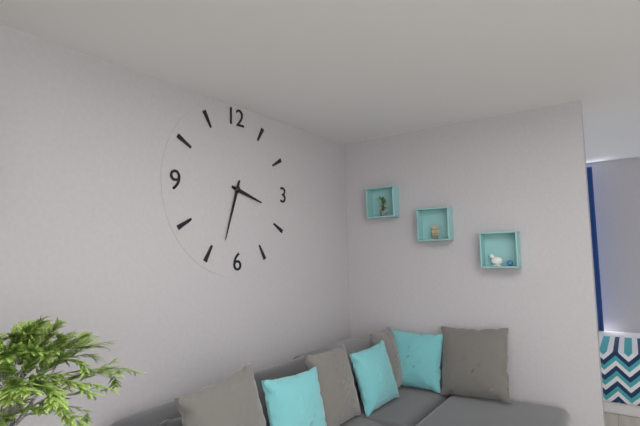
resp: 3,33
